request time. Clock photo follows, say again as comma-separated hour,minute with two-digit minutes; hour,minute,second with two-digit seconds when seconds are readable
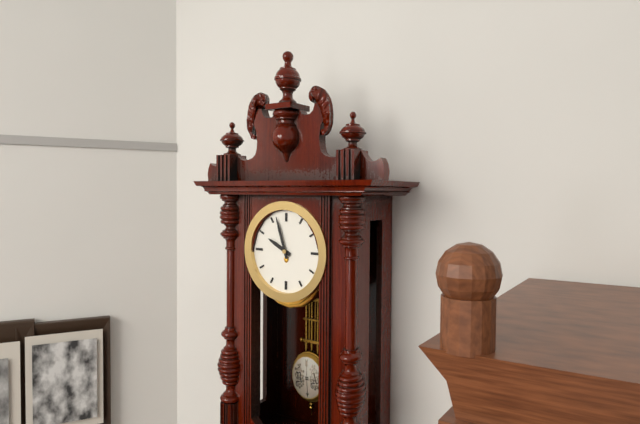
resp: 9,57
